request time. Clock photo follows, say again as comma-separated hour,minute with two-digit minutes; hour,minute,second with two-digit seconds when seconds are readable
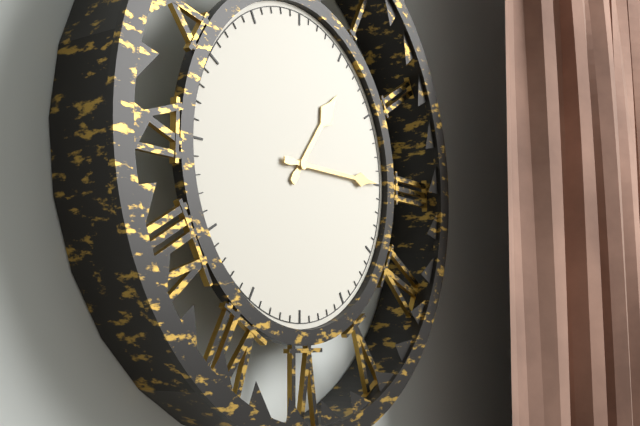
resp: 1,15
